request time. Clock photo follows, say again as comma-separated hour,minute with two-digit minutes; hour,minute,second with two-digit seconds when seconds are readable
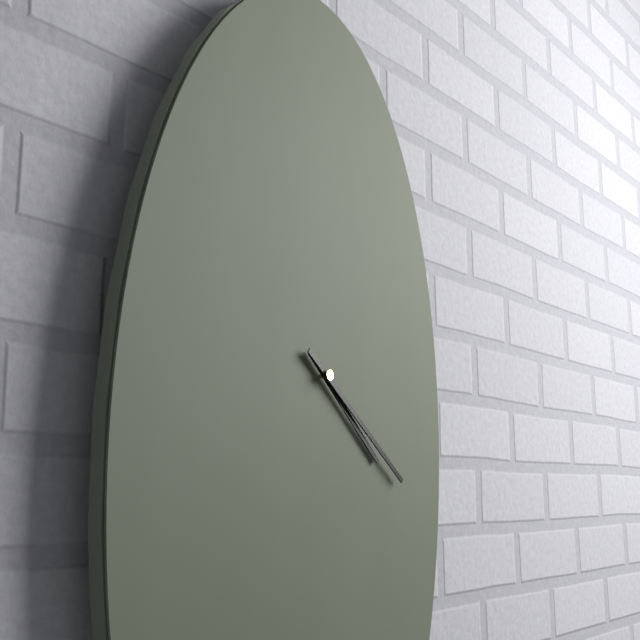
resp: 4,21
